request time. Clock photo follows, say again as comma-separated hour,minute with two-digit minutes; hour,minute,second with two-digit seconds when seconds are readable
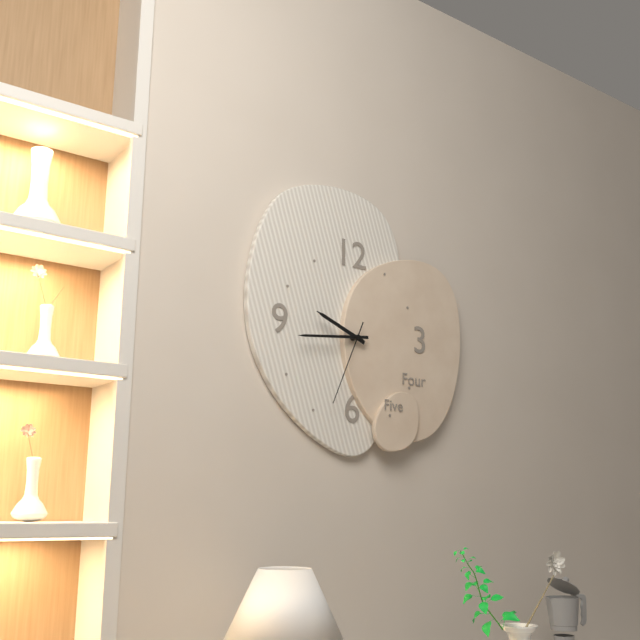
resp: 9,44,34
